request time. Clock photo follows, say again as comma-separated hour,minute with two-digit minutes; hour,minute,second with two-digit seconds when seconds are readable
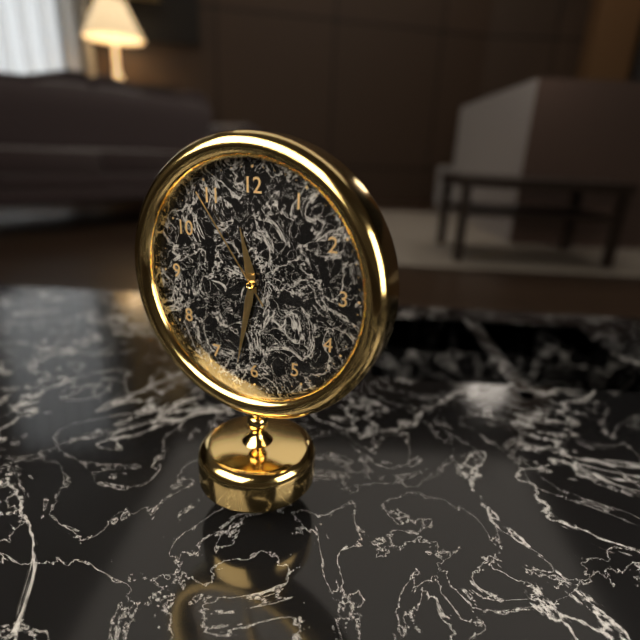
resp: 11,32,54
